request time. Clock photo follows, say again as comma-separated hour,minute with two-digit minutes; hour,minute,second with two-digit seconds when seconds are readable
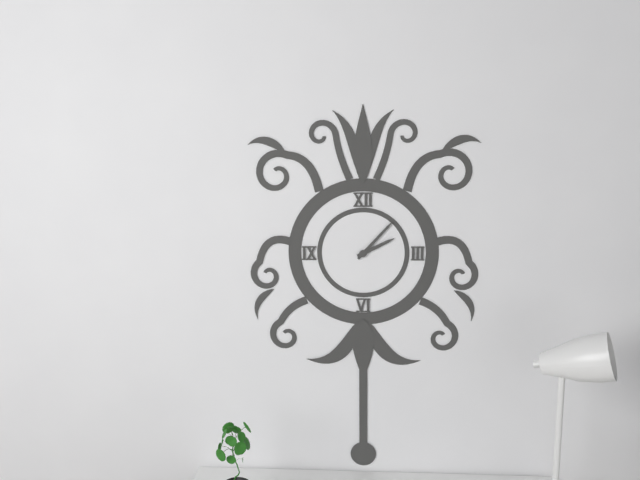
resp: 2,07
